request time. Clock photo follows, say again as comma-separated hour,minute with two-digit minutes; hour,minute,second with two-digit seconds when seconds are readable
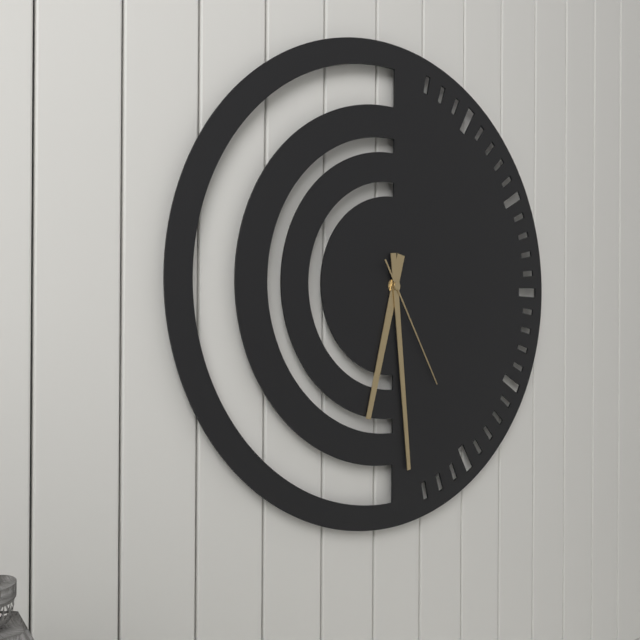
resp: 6,29,25
